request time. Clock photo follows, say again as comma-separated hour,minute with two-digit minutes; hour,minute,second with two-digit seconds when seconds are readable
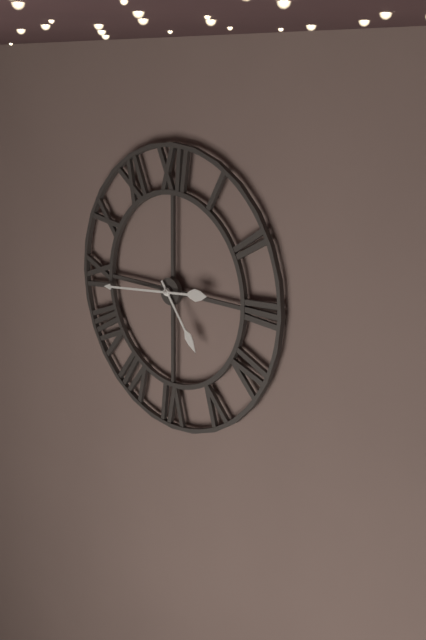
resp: 4,44
